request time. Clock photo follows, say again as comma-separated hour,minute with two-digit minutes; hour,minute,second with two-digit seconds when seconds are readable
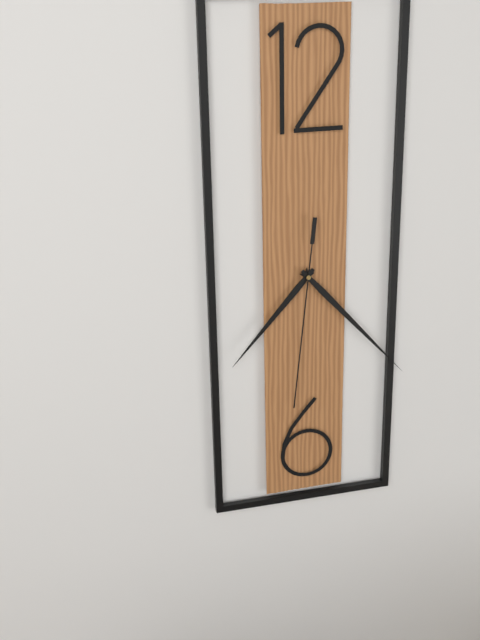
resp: 7,23,31
